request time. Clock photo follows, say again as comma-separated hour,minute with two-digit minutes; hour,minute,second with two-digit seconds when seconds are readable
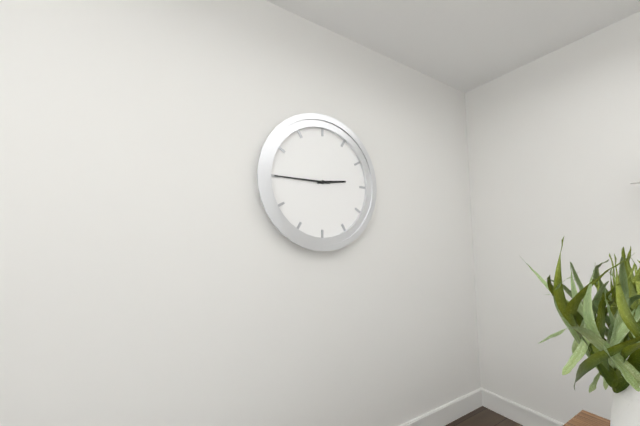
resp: 2,45
